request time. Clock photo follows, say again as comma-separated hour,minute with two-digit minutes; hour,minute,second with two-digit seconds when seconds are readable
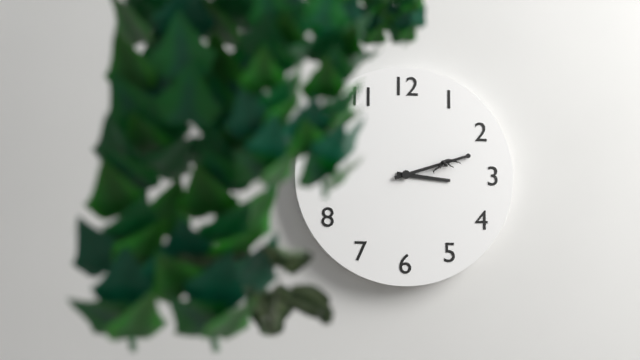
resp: 3,12
